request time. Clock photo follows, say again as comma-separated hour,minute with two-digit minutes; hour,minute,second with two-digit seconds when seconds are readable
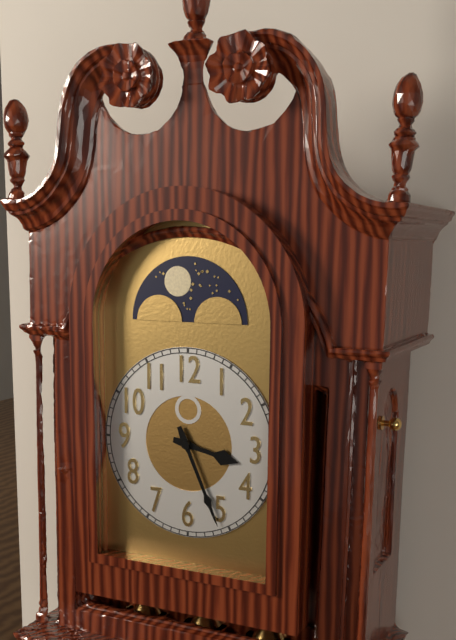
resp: 3,26
